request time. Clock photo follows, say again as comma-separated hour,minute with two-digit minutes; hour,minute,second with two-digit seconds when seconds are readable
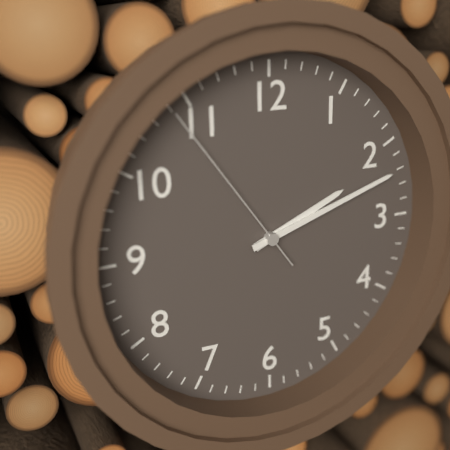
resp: 2,12,54
